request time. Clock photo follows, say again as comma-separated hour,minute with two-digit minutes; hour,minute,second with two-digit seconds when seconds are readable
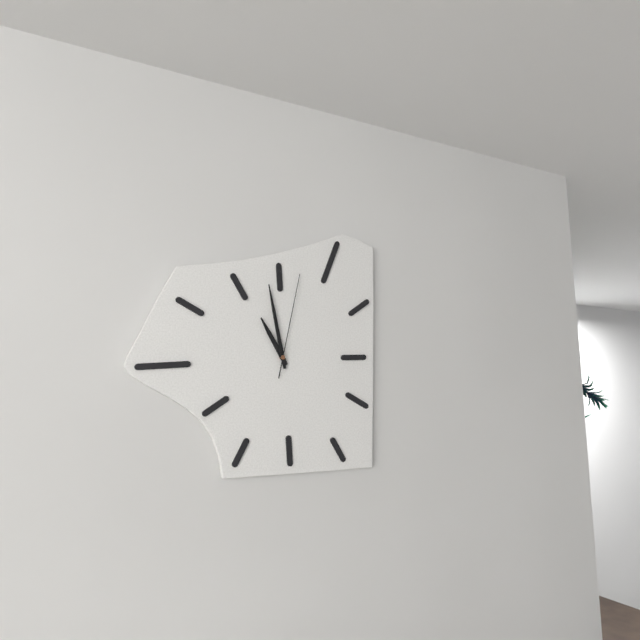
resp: 10,58,02
